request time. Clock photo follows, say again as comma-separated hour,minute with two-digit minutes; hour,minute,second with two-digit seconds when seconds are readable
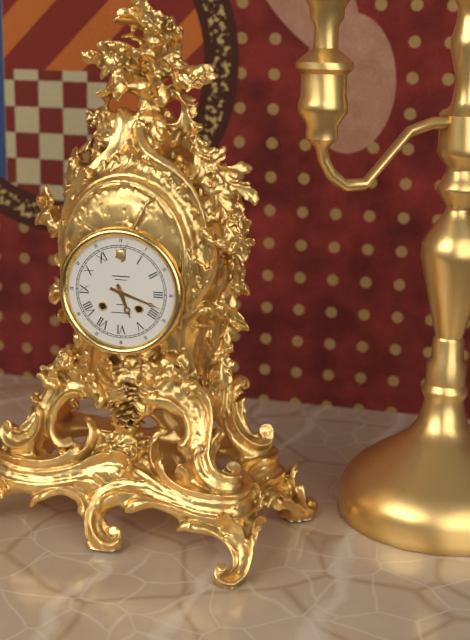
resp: 5,18
